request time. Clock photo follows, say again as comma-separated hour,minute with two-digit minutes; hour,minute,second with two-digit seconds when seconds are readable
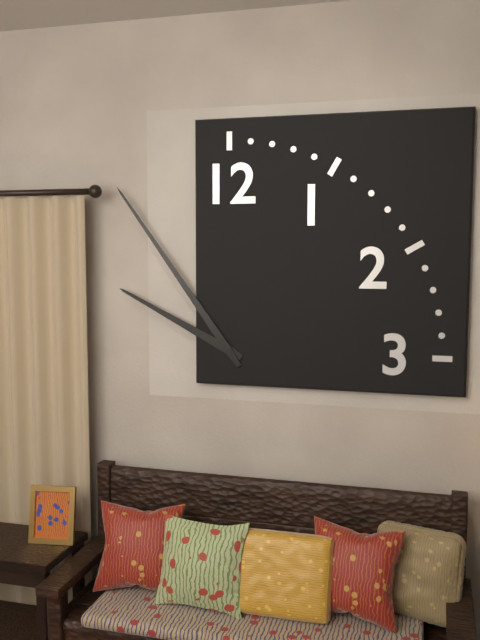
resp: 9,54
